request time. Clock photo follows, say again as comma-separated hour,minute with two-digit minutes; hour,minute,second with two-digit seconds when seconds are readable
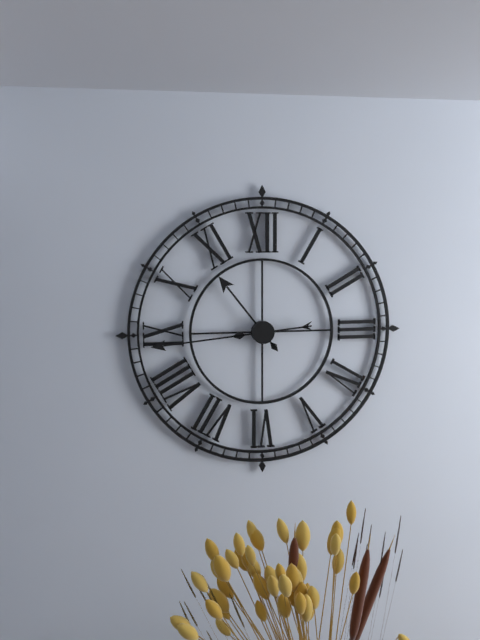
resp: 10,44
